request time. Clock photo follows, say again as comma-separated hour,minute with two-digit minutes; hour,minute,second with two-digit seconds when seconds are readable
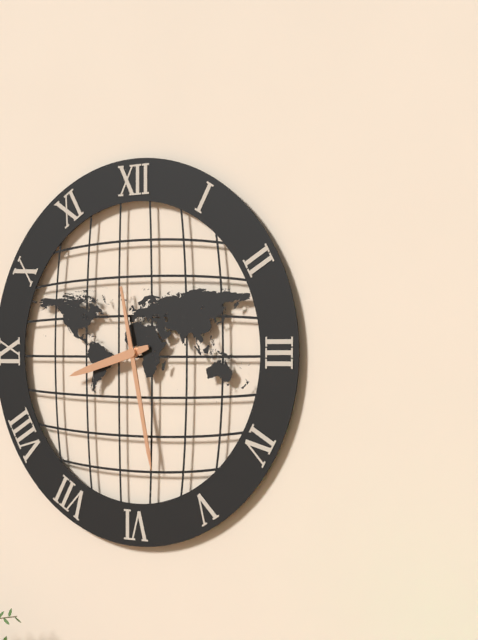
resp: 8,28
